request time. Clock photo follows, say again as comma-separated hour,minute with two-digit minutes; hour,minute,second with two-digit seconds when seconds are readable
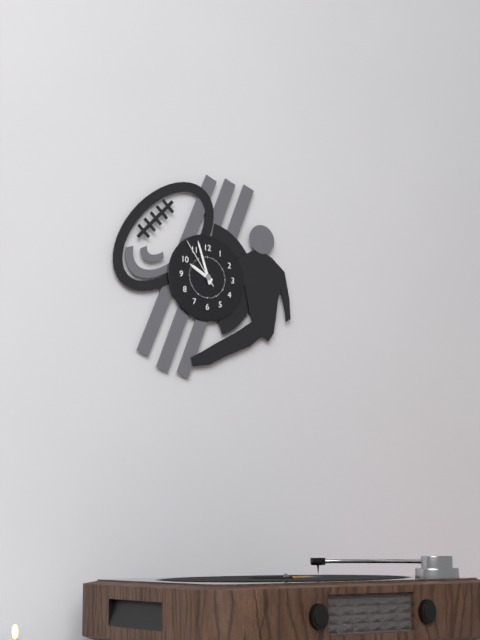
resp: 9,57,54
